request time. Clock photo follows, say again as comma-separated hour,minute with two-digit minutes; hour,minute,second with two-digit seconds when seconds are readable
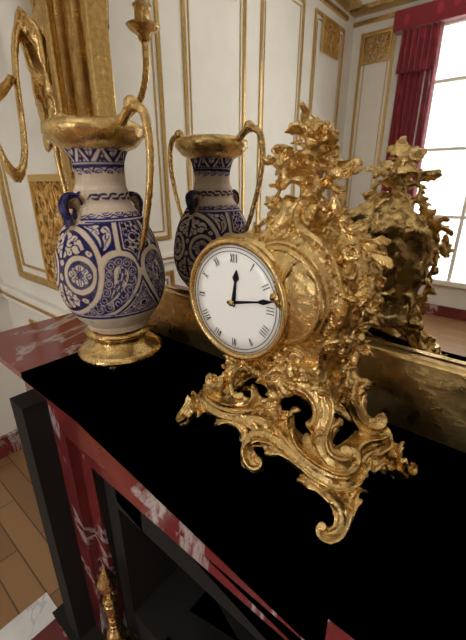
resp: 12,13
